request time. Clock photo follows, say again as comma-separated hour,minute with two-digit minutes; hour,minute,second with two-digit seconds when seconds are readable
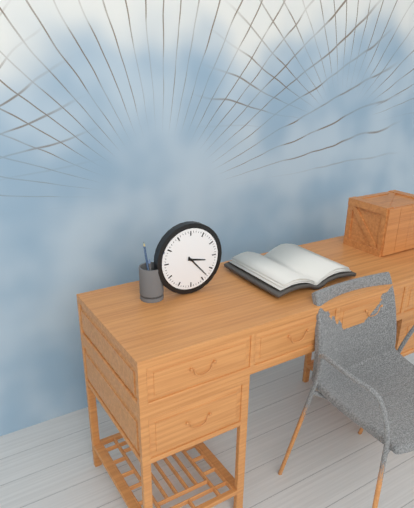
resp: 3,23
